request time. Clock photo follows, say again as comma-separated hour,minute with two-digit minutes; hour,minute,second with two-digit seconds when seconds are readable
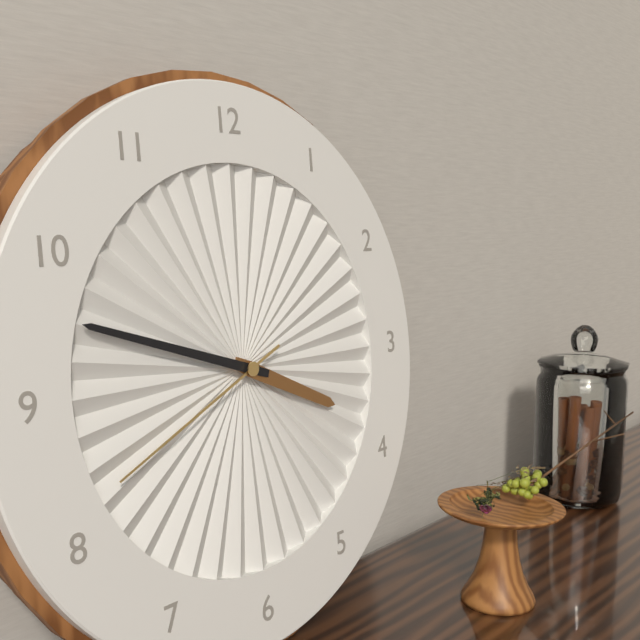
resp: 3,48,41
